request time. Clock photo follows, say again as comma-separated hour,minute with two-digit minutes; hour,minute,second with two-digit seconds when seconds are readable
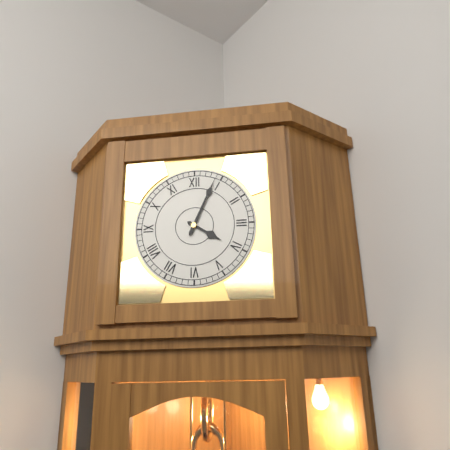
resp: 4,04
